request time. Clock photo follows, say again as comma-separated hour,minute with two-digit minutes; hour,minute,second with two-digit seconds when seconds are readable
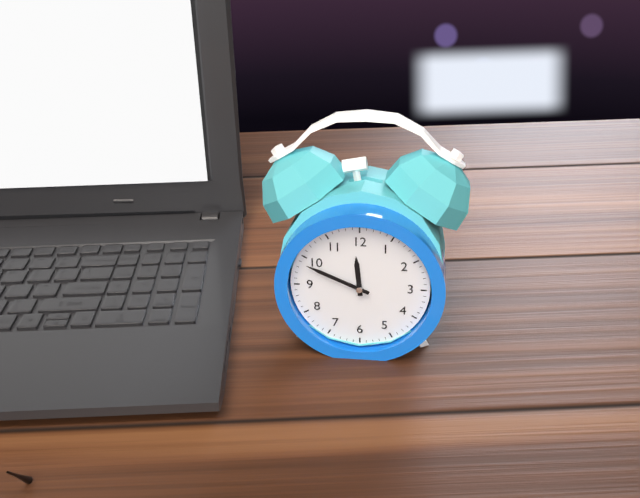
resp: 11,49
